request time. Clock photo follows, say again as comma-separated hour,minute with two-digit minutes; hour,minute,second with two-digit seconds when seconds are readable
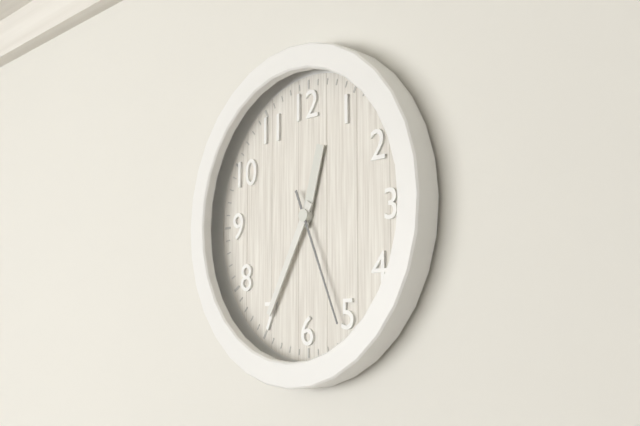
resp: 12,35,26
